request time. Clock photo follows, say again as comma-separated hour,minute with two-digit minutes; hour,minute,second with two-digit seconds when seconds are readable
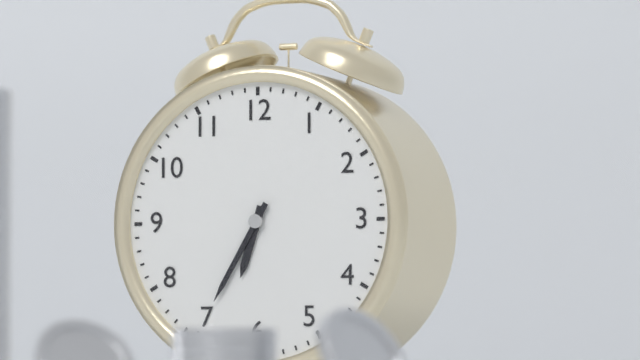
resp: 6,35
